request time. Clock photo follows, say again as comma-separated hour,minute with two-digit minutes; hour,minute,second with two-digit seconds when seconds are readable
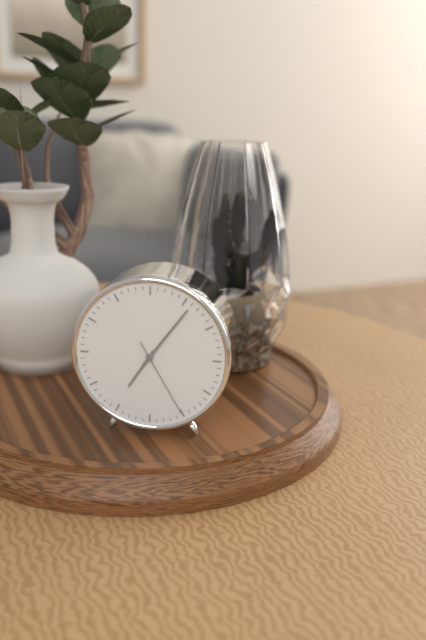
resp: 7,06,25
